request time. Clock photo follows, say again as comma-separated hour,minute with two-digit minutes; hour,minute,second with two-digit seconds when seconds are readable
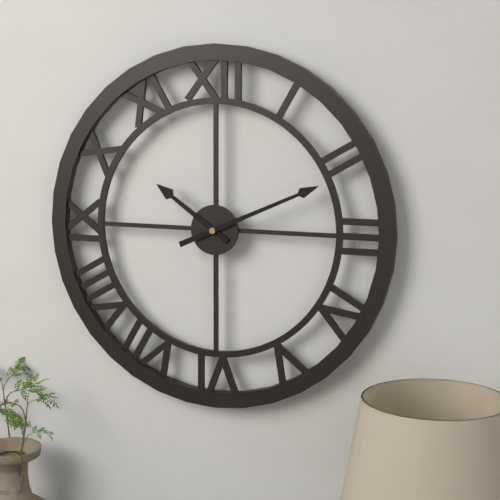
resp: 10,11
